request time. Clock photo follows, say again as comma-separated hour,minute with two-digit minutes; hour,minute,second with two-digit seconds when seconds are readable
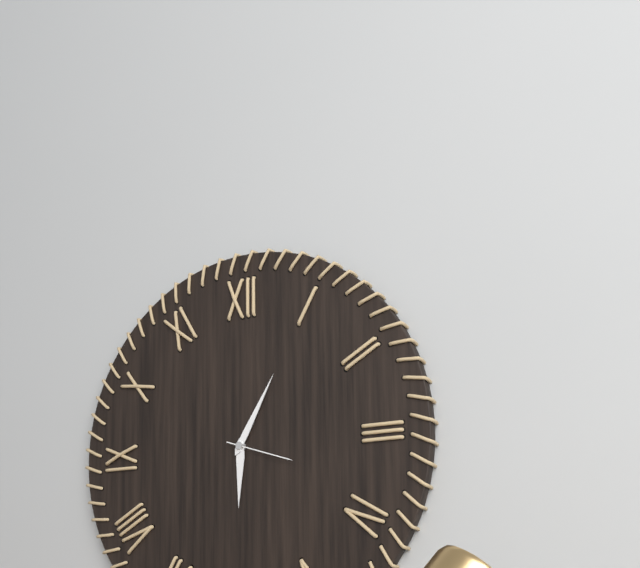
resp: 6,05,18
